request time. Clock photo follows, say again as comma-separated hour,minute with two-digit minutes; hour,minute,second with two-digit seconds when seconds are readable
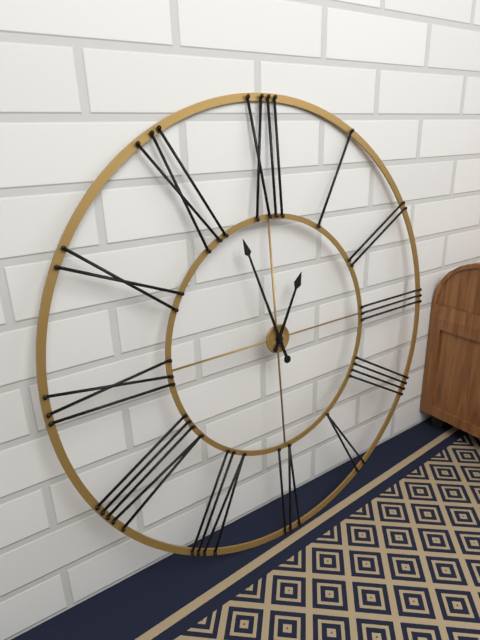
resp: 12,57
